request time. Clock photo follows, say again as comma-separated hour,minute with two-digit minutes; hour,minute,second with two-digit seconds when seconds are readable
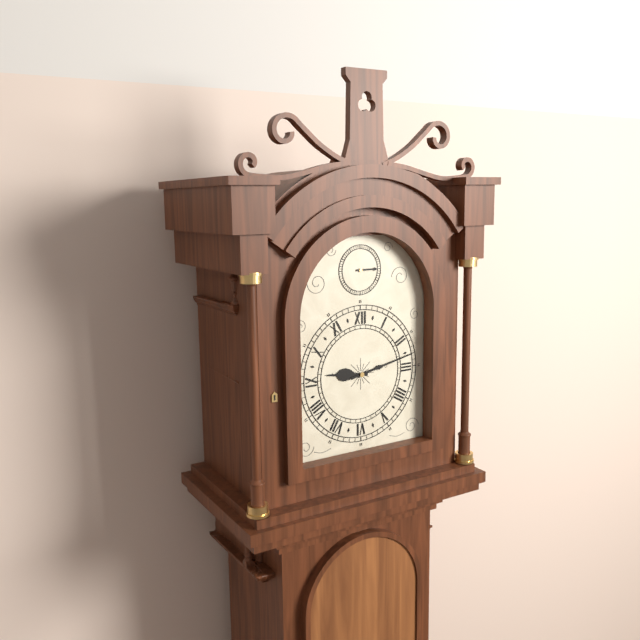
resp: 9,13
